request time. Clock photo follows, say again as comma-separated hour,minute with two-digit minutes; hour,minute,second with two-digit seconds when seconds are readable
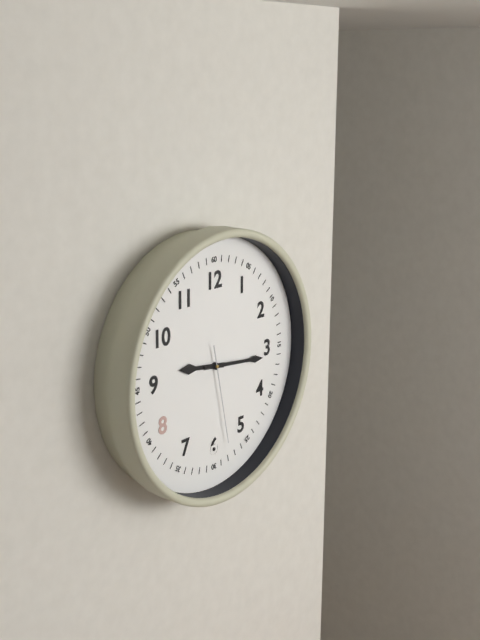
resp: 9,16,28
